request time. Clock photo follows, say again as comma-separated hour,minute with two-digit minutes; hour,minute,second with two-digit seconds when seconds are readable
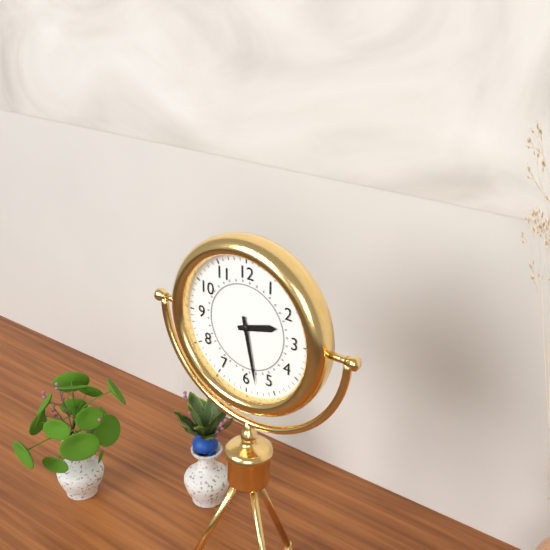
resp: 2,28
